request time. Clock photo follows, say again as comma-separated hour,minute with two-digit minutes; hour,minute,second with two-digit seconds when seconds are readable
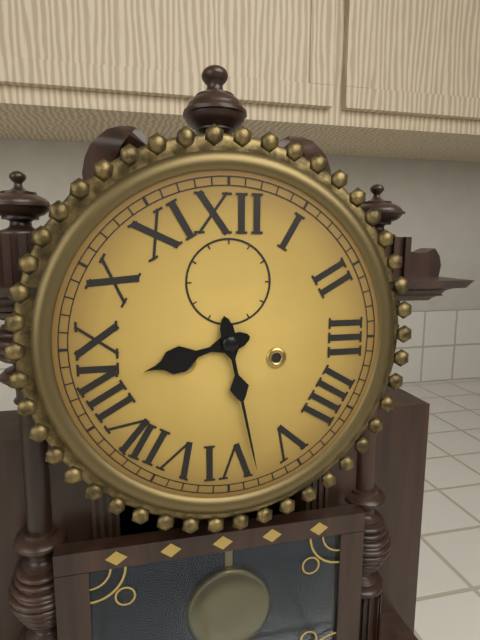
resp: 8,28
